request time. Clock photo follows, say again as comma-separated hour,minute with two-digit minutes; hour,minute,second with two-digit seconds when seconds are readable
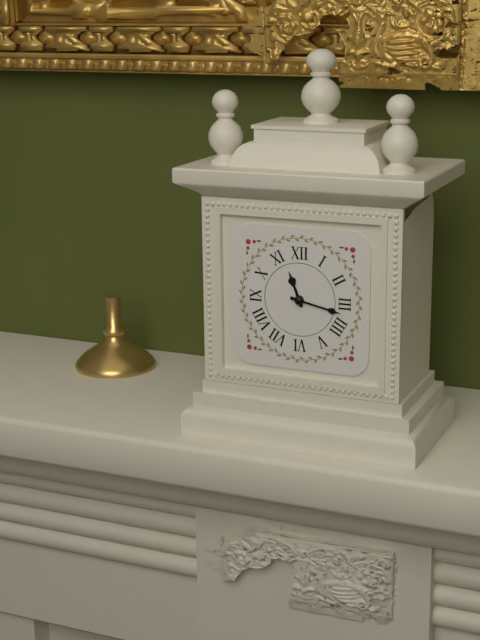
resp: 11,17
